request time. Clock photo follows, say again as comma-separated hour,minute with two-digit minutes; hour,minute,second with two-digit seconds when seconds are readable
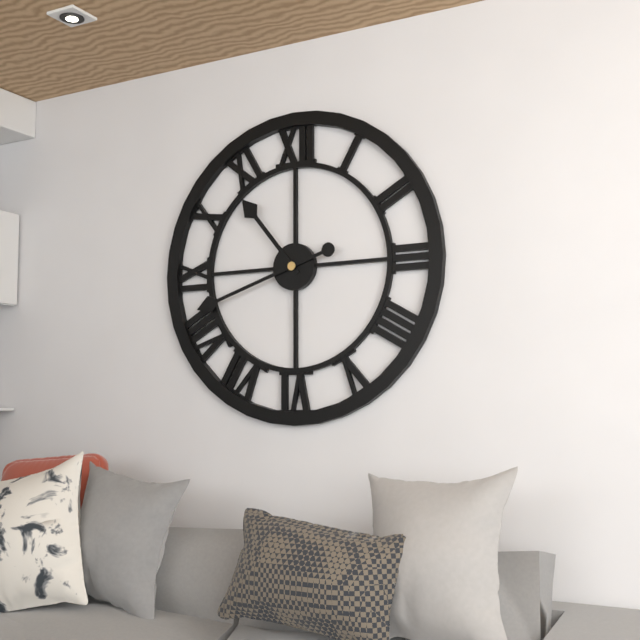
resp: 10,42
